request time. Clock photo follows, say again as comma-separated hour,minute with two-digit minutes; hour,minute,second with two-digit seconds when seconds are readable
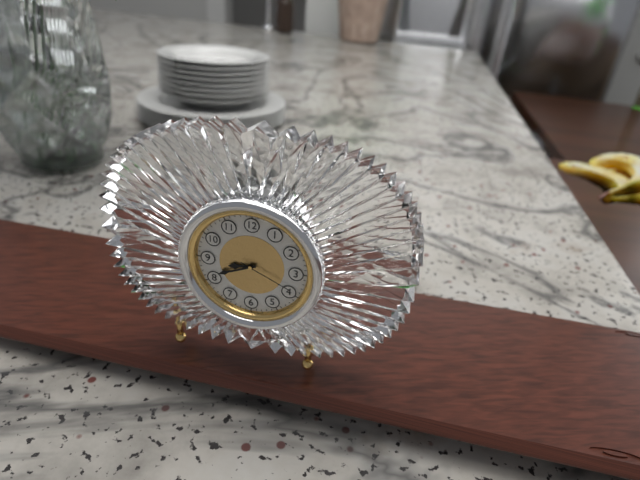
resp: 8,41,19
